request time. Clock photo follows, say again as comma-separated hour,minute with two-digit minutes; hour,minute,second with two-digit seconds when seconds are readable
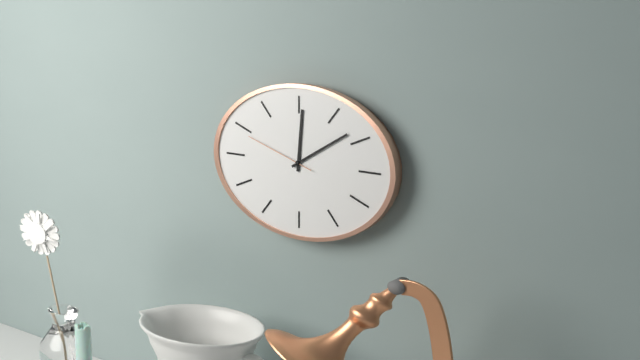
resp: 12,10,48
